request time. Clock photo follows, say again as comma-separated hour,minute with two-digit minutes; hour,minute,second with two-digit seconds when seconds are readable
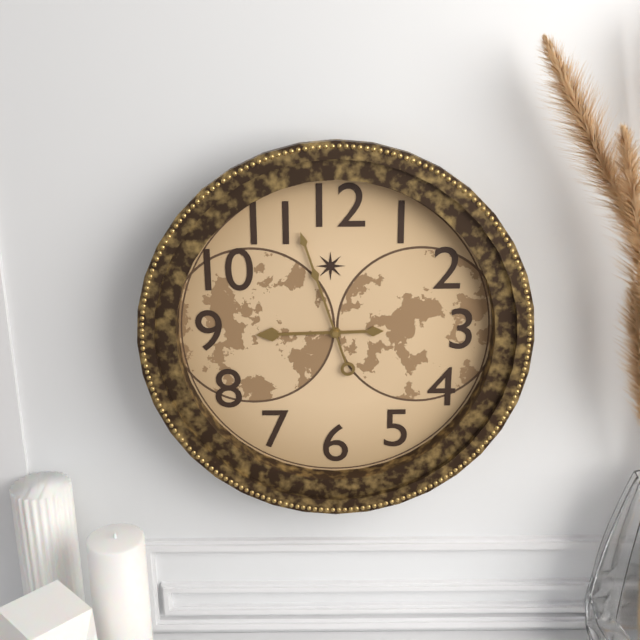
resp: 8,57
